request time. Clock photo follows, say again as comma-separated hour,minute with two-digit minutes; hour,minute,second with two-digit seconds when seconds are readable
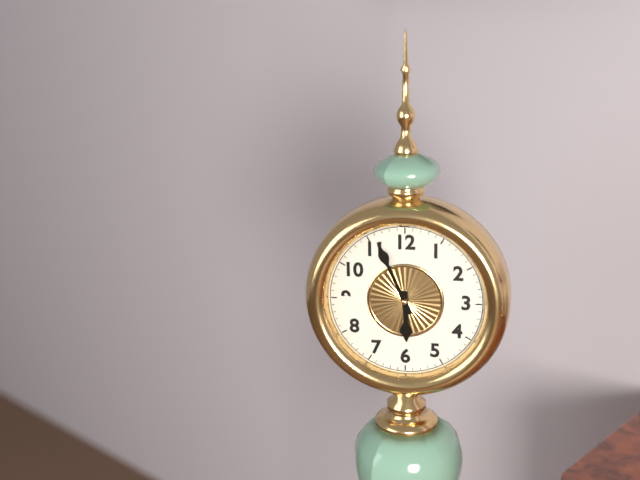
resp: 5,56
